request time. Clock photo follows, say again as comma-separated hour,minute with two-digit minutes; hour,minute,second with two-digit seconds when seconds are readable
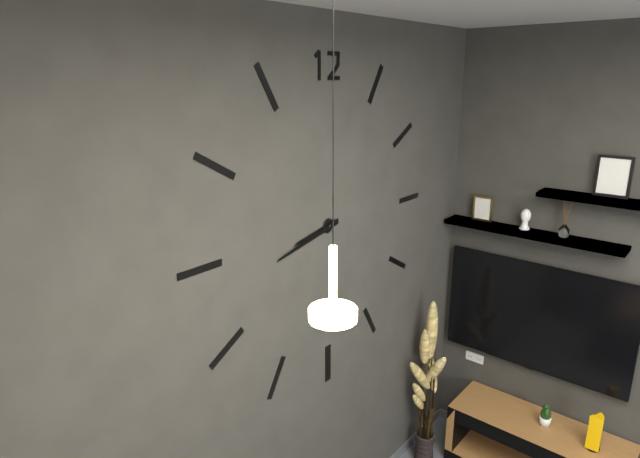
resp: 8,43
